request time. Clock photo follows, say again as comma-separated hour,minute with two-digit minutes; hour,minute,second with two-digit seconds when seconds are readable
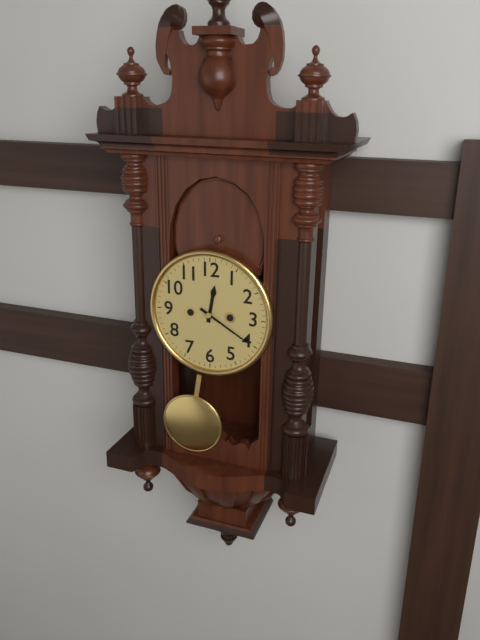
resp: 12,20
